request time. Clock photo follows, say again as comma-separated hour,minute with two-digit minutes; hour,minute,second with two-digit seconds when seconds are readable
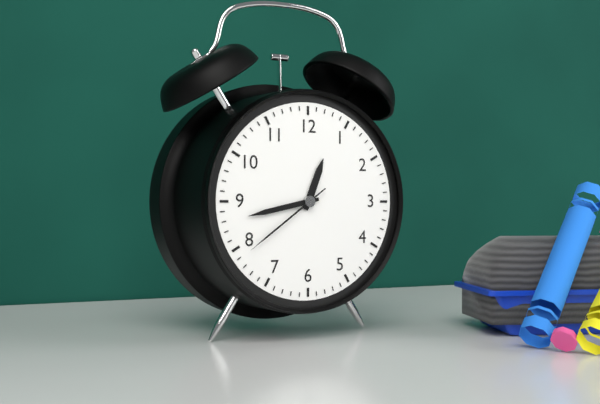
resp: 12,43,39
